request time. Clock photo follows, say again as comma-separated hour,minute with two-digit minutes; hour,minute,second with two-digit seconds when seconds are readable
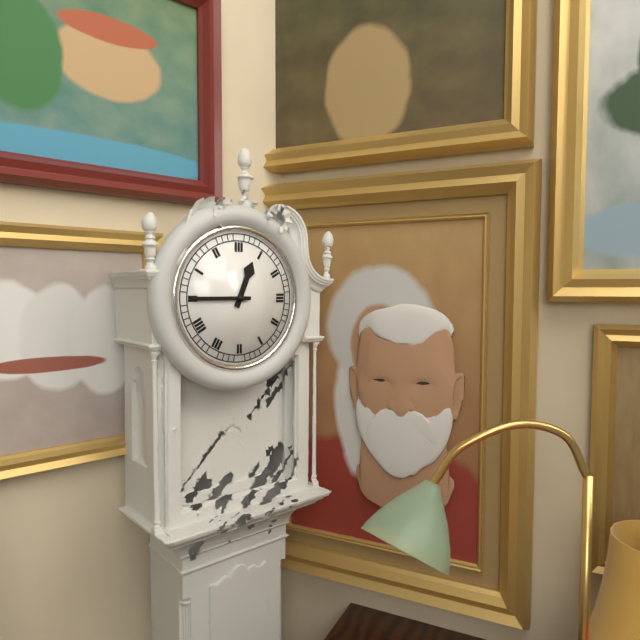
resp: 12,45
